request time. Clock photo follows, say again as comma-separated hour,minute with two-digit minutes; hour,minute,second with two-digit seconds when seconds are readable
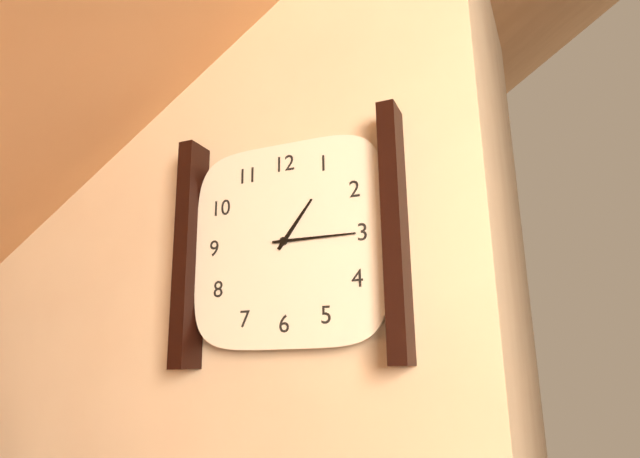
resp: 1,15
